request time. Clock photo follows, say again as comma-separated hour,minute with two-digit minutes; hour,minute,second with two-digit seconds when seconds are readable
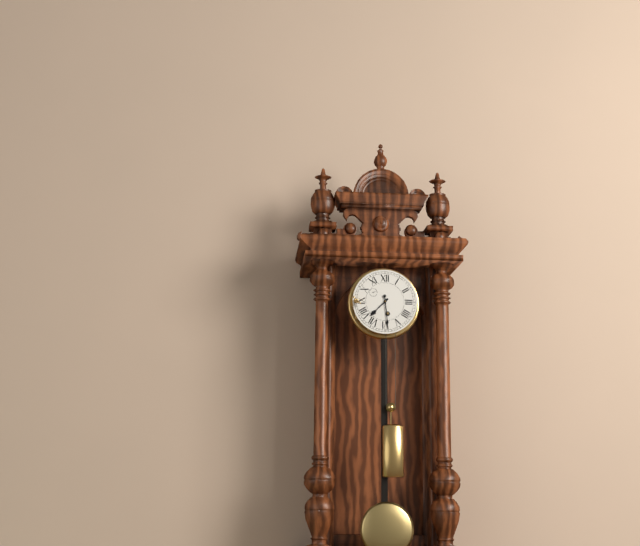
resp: 7,29
